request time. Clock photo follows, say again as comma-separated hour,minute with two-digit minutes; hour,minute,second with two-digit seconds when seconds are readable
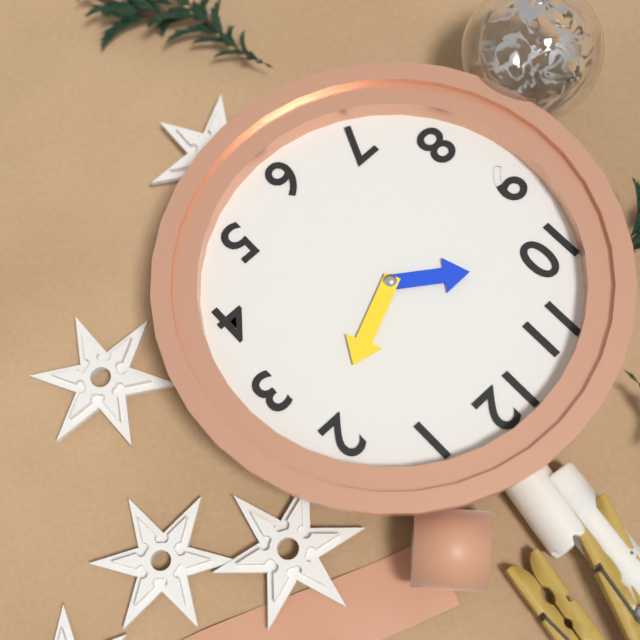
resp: 10,11
